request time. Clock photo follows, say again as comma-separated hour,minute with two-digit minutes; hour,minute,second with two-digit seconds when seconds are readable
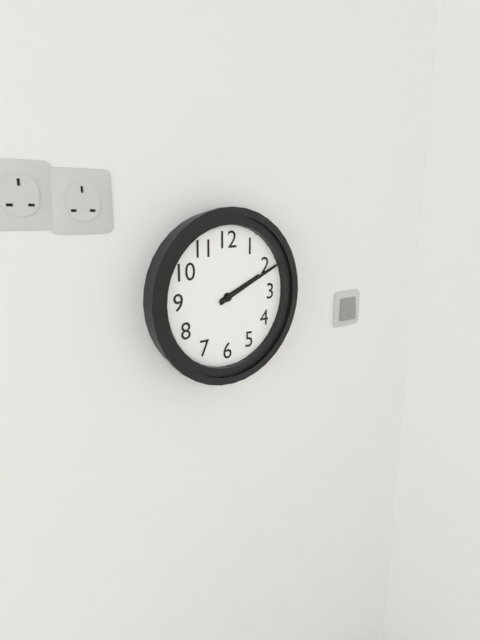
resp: 2,11
